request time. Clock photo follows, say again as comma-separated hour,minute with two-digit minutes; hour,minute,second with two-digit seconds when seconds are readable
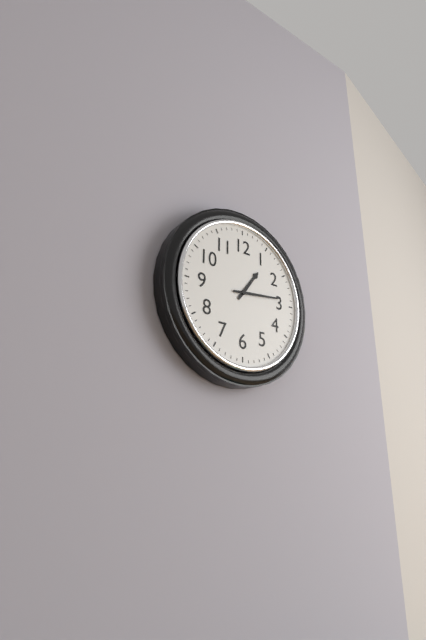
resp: 1,14
